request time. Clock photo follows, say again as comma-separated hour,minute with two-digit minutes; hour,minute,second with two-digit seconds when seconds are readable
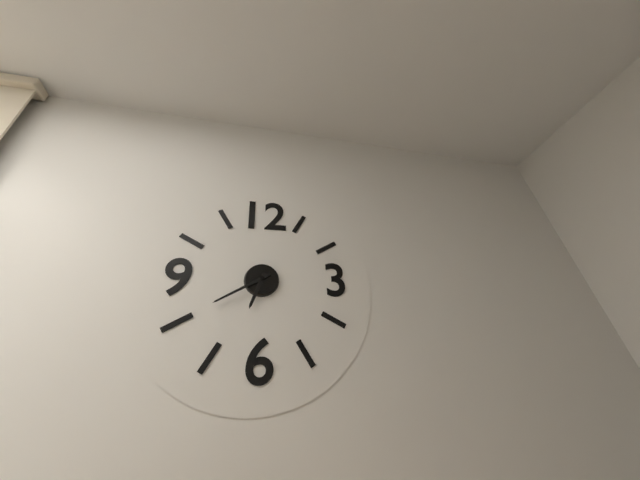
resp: 6,40
